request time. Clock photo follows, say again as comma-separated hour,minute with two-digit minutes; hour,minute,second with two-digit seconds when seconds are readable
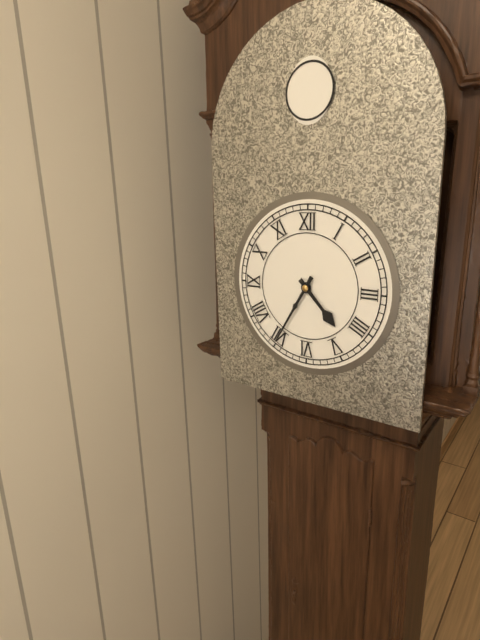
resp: 4,35
